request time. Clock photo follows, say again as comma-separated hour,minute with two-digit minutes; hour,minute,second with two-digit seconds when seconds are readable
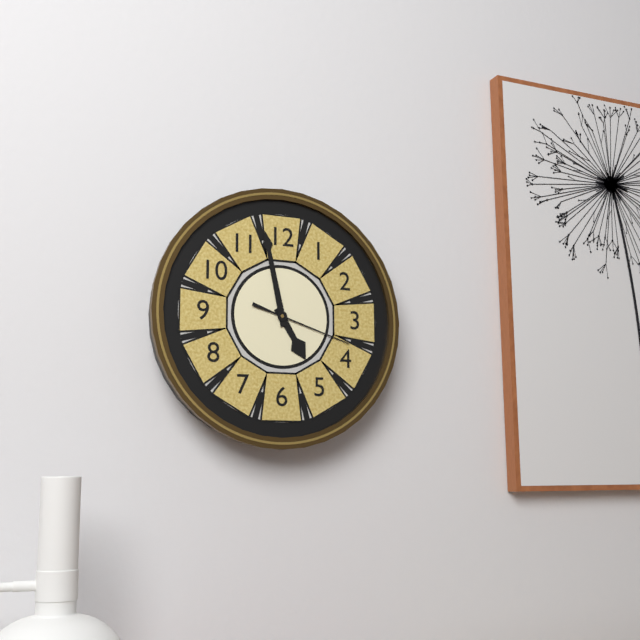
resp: 4,58,18
